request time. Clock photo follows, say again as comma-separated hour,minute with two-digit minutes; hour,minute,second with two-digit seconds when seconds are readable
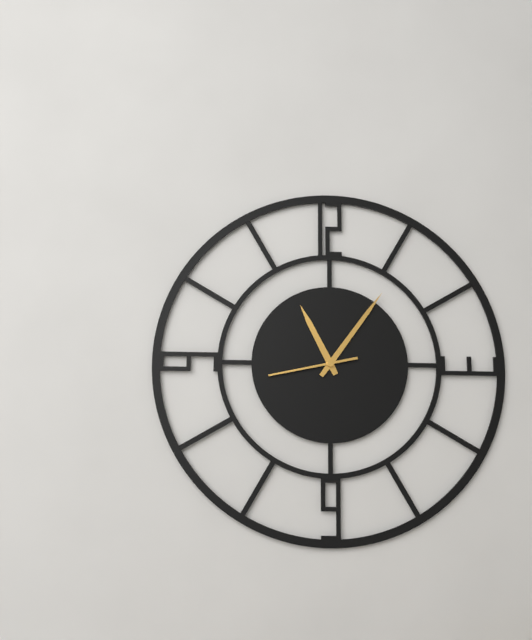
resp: 11,06,43
